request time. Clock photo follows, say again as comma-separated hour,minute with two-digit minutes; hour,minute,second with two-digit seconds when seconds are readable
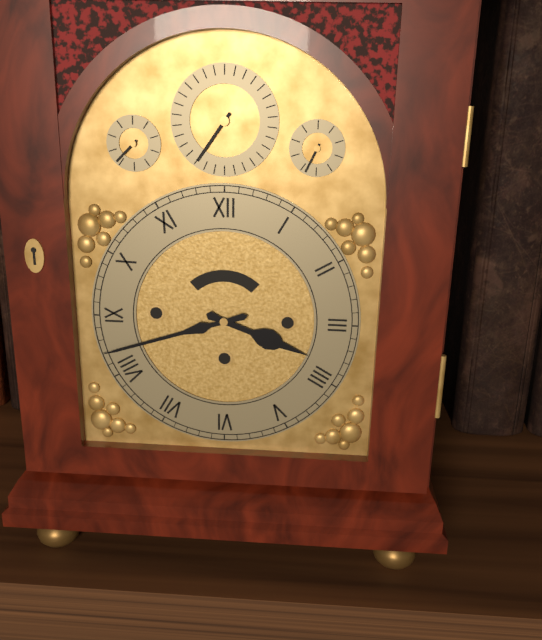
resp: 3,42
